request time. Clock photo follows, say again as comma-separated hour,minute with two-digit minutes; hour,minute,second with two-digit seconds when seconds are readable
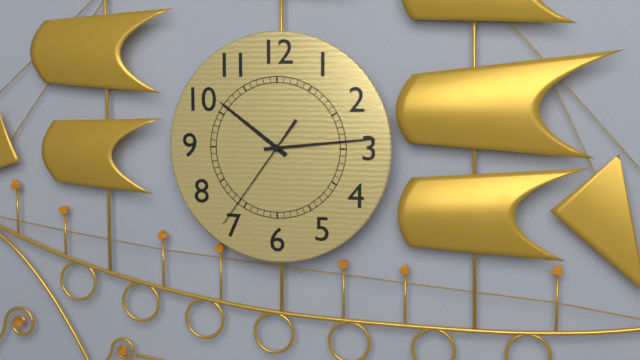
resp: 10,14,36
